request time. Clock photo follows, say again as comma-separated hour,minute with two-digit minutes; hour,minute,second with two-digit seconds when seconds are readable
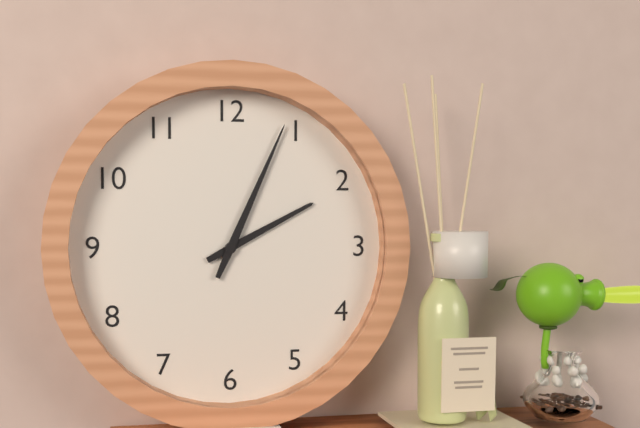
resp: 2,04
